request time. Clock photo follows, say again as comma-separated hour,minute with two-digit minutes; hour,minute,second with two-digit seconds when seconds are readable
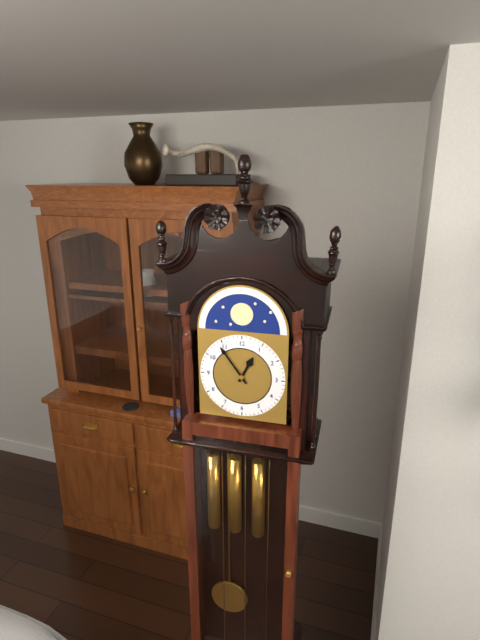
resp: 12,54
